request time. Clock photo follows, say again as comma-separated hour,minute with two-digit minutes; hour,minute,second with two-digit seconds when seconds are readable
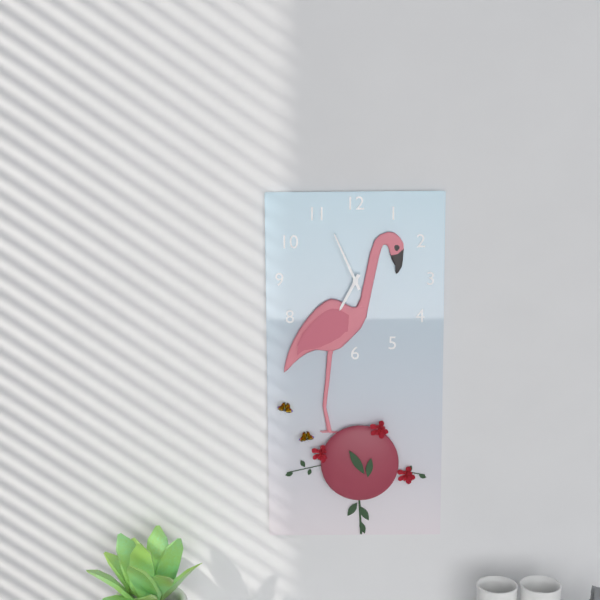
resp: 6,56
